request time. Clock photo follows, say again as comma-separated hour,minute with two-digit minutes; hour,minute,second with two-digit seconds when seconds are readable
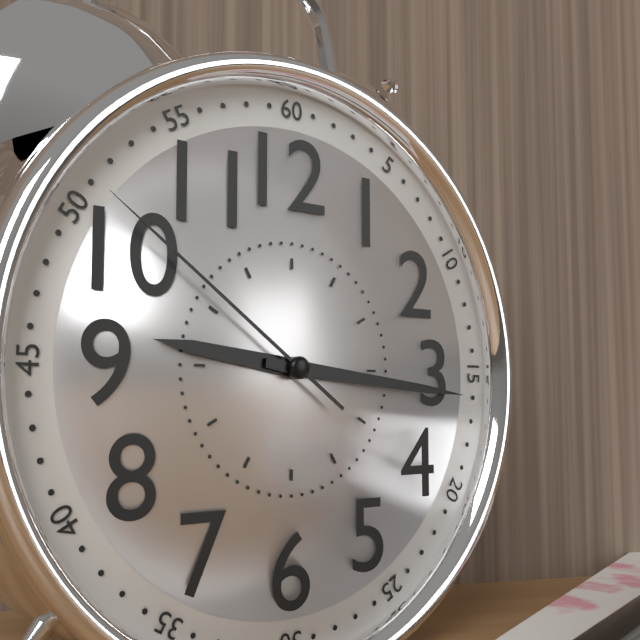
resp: 9,16,51
